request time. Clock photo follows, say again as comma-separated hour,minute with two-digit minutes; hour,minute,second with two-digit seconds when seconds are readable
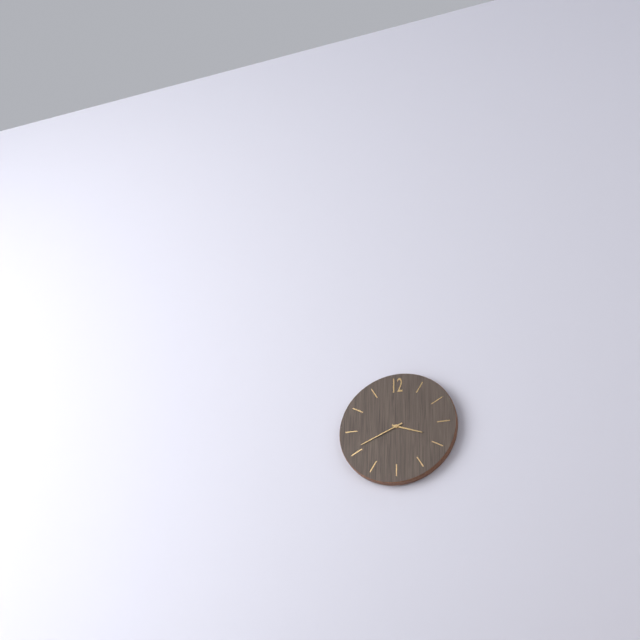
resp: 3,41
